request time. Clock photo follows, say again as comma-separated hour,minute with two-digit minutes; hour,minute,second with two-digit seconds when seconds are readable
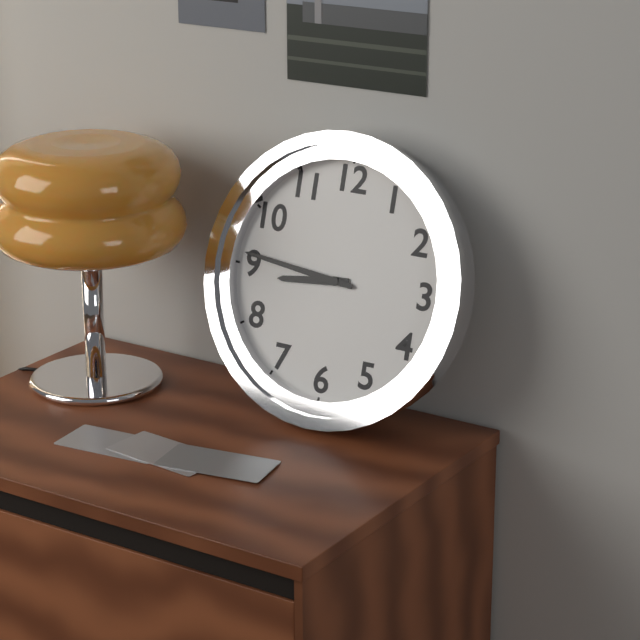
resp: 8,46
